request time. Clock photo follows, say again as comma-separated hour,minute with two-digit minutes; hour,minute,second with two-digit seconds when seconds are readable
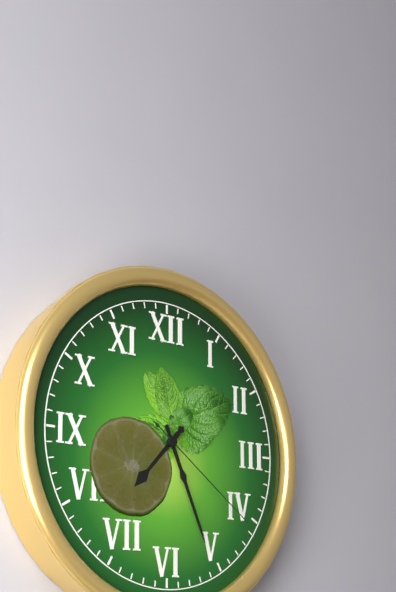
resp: 7,26,21
